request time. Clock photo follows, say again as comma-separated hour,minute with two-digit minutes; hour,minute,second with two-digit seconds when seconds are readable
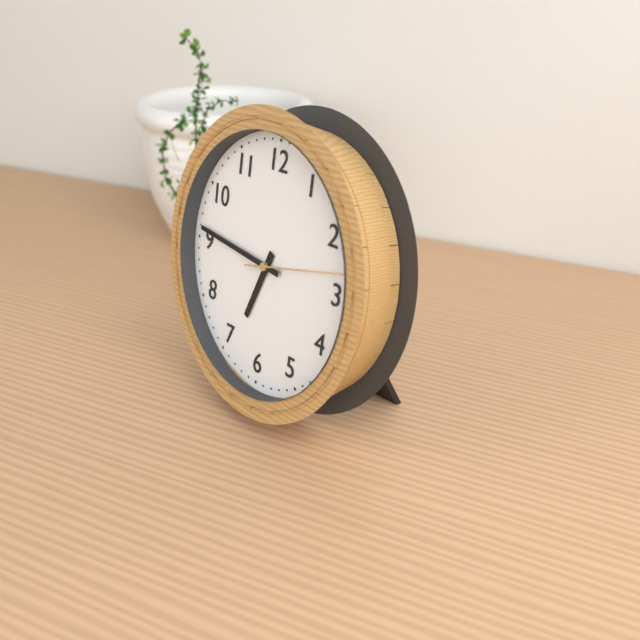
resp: 6,46,13
